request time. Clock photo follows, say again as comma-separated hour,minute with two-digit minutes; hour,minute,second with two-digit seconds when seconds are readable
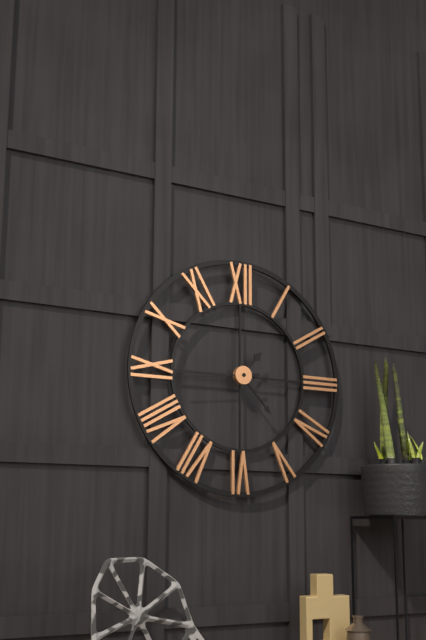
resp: 1,23,44
